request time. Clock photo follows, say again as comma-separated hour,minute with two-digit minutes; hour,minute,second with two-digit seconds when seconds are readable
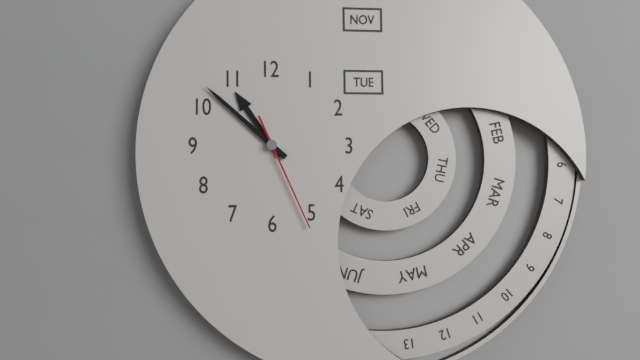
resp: 10,52,26
